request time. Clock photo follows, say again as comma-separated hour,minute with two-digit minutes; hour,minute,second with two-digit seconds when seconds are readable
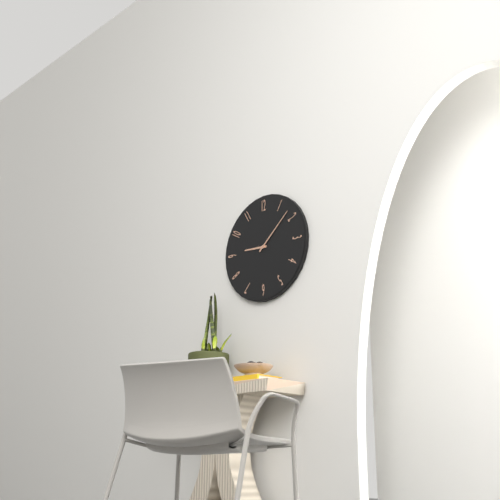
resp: 9,08
